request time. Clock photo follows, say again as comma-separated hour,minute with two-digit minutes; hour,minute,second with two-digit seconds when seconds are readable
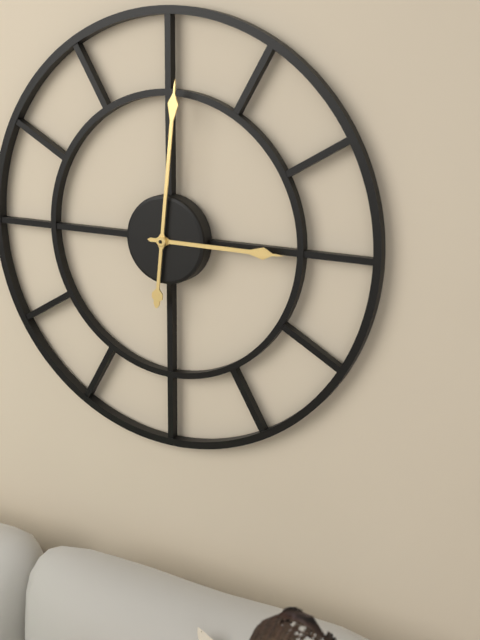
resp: 3,01
